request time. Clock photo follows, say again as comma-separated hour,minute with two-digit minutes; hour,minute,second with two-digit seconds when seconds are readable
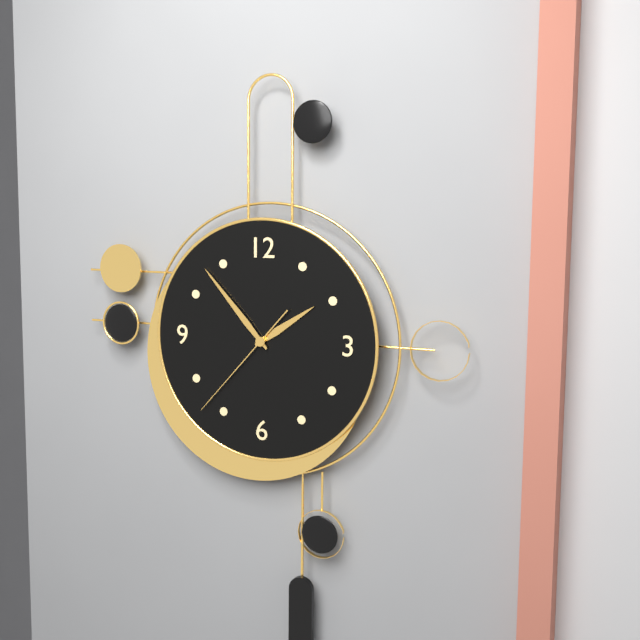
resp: 1,53,37
